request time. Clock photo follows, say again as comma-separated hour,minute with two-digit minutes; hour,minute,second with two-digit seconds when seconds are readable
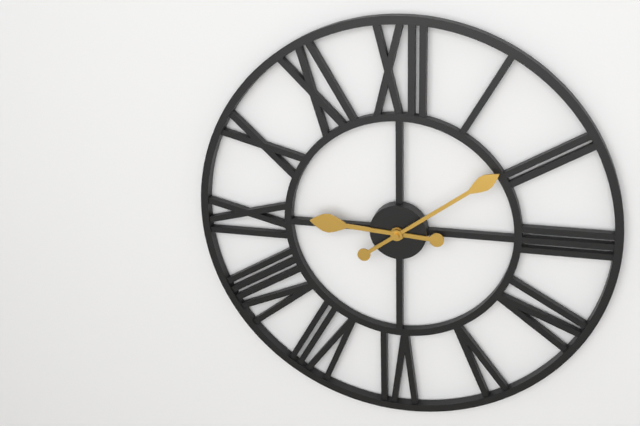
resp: 9,09
